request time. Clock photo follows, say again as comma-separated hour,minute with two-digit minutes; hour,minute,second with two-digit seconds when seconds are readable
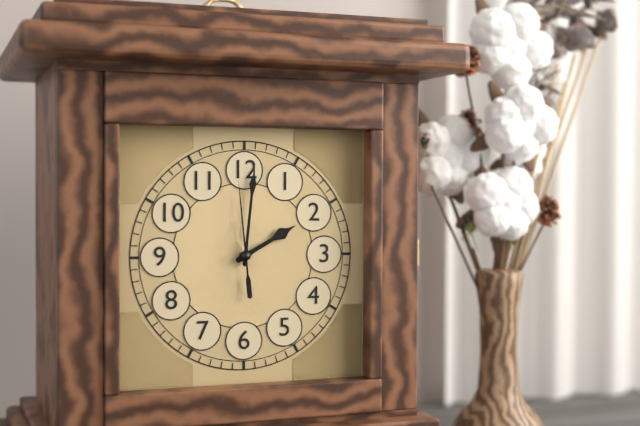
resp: 2,01,59
